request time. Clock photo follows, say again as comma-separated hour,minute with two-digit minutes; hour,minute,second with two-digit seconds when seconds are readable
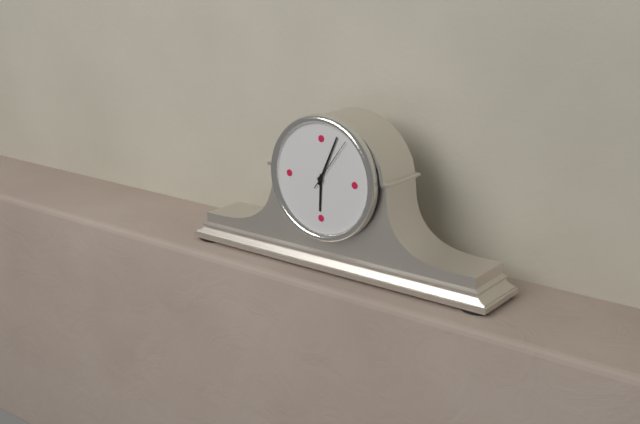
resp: 6,04,06
